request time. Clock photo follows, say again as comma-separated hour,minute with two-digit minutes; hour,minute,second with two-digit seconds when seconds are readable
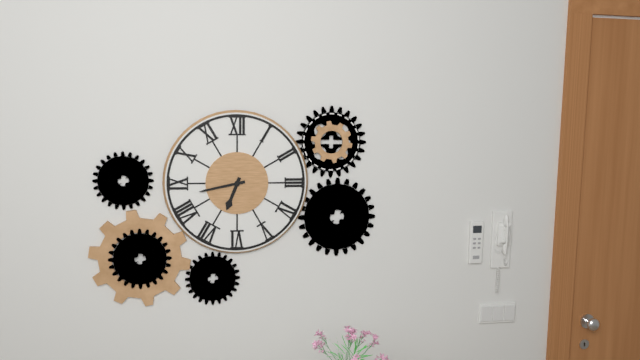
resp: 6,43
